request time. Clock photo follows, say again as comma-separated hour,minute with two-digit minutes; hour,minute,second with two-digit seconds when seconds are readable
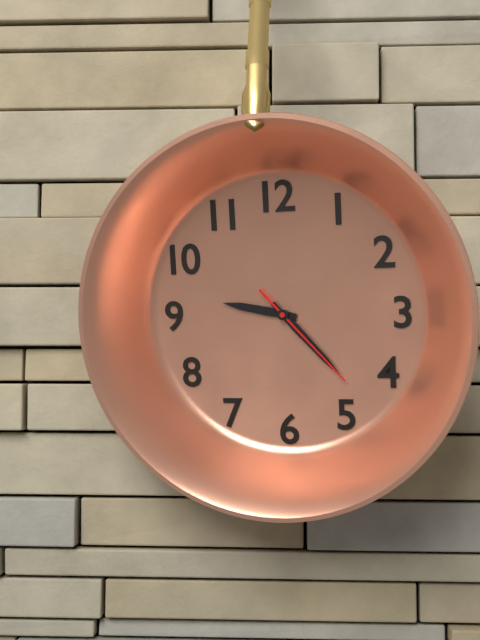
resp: 9,23,23
